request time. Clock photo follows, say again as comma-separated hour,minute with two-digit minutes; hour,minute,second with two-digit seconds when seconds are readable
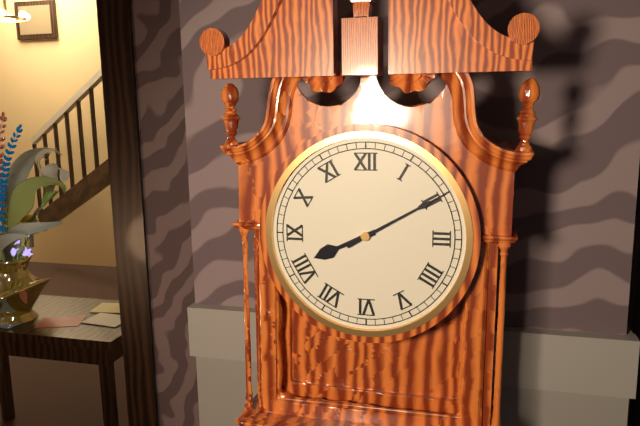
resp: 8,10
